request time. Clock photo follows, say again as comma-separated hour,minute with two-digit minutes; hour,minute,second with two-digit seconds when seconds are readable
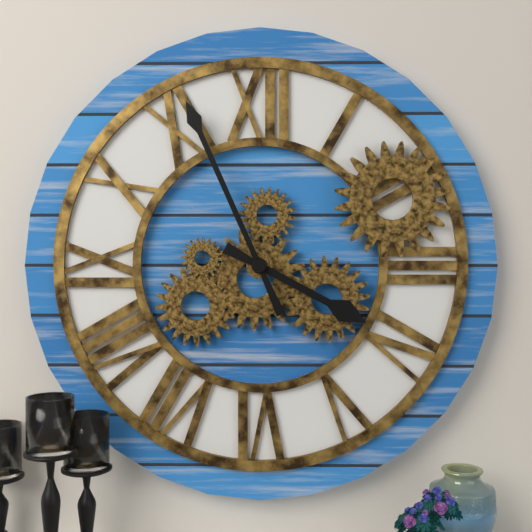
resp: 3,56
